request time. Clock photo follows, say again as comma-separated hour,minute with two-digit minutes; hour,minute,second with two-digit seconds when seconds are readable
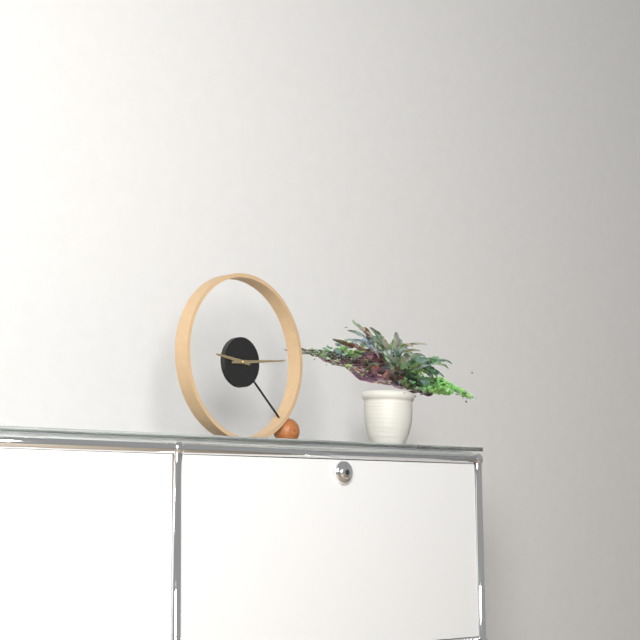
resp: 9,14
